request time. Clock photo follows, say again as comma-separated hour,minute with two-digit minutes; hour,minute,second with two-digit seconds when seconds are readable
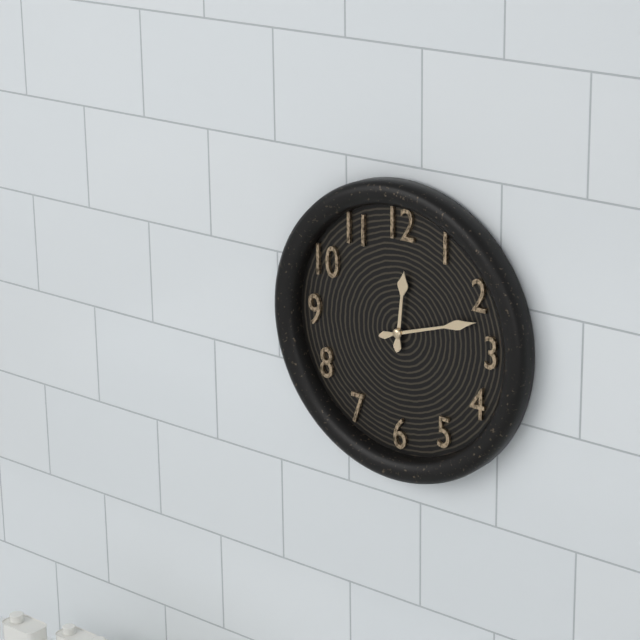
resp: 12,12
